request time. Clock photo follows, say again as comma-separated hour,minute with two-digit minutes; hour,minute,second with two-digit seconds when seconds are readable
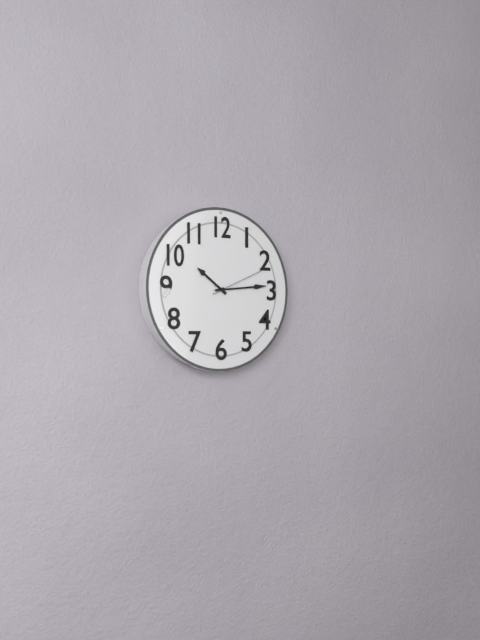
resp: 10,14,11
